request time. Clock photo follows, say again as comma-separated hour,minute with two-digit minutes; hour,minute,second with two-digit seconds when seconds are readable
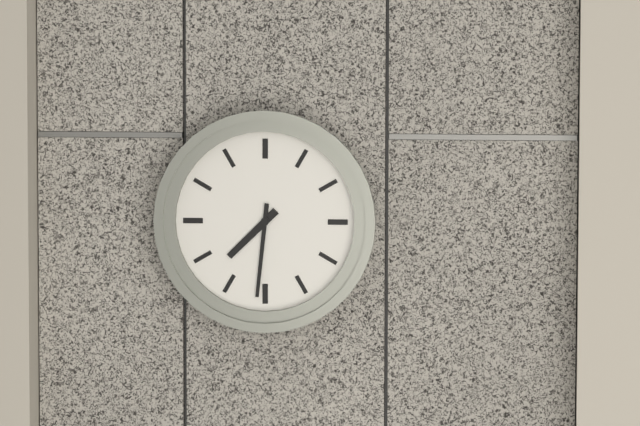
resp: 7,31
